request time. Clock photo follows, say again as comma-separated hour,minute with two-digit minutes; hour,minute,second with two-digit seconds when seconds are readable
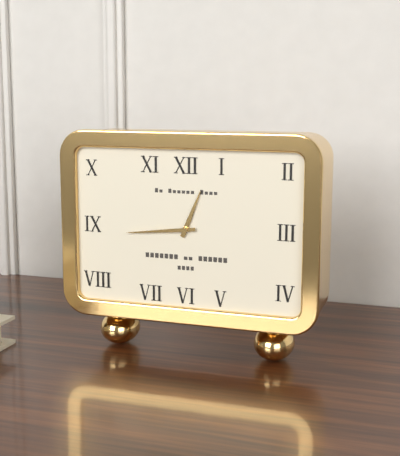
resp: 12,44
